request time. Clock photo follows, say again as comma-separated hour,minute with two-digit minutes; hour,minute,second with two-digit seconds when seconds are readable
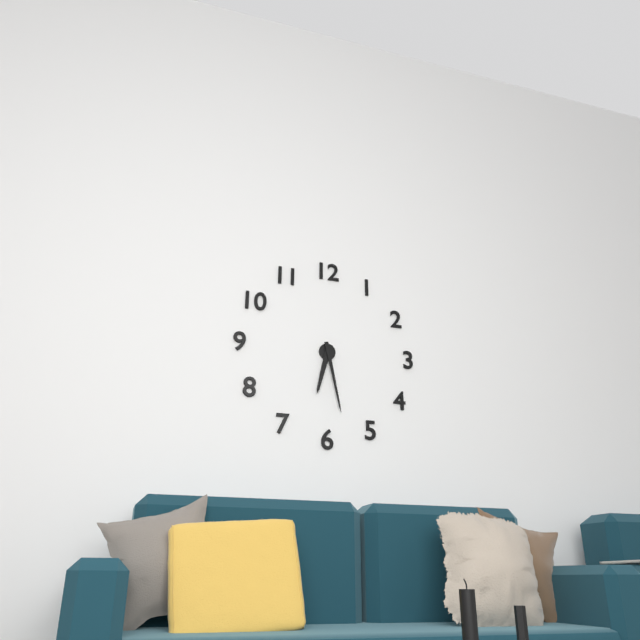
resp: 6,28
